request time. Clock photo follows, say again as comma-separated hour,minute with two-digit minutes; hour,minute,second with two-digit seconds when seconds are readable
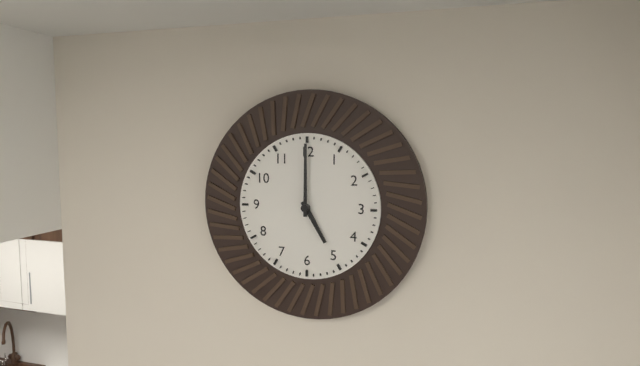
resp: 5,00
